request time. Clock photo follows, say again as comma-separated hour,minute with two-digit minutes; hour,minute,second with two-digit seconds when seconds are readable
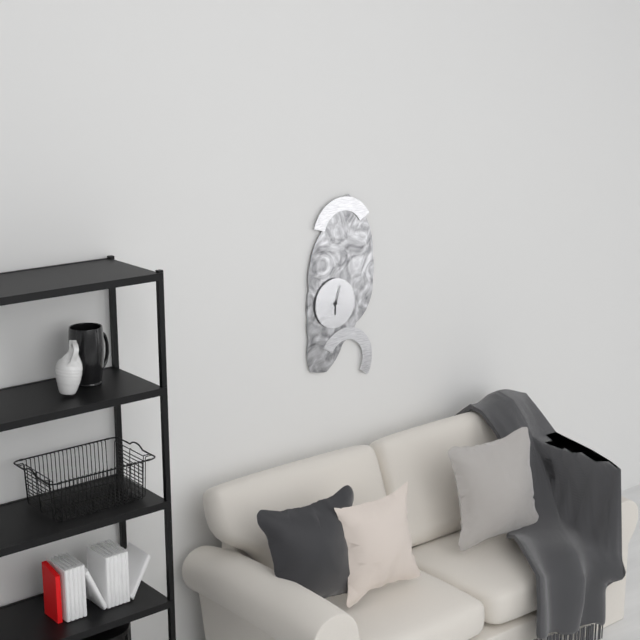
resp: 6,03
